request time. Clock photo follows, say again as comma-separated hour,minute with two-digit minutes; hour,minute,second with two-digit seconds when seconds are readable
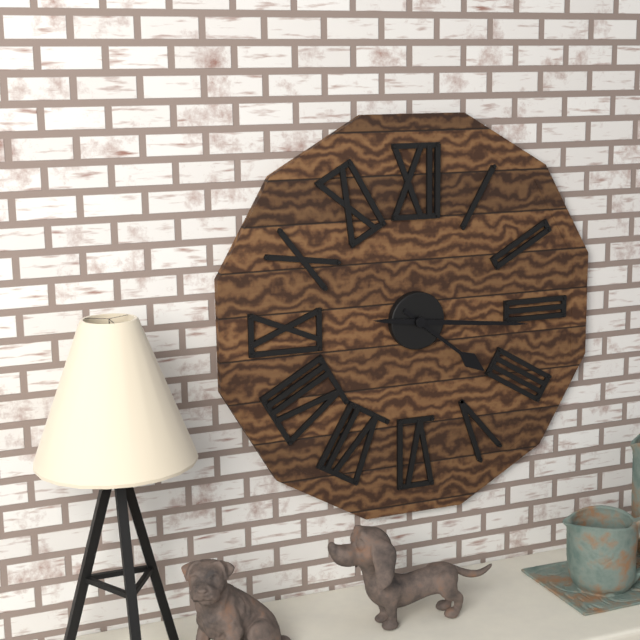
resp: 4,16
